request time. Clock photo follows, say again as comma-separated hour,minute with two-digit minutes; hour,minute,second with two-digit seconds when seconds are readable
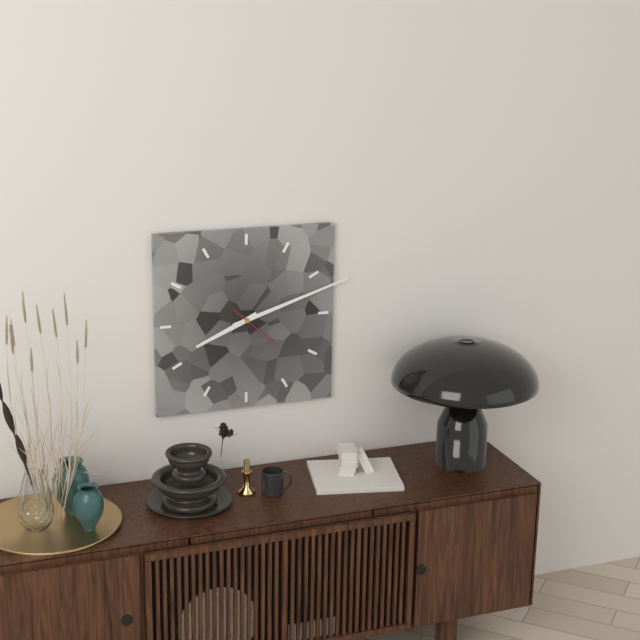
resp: 8,12
